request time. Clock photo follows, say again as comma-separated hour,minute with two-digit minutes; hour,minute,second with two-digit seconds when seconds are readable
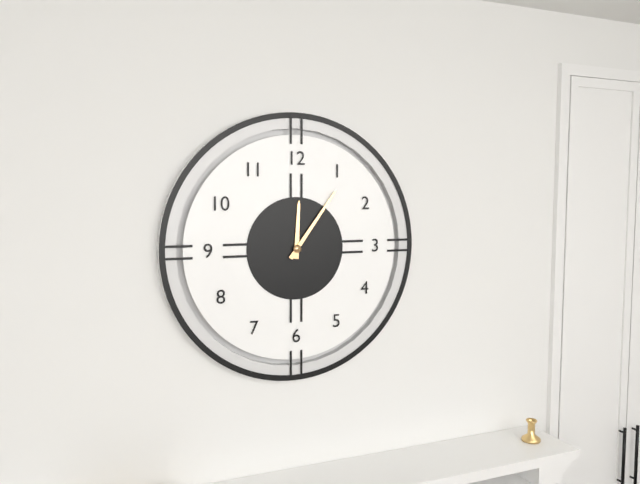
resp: 12,06
